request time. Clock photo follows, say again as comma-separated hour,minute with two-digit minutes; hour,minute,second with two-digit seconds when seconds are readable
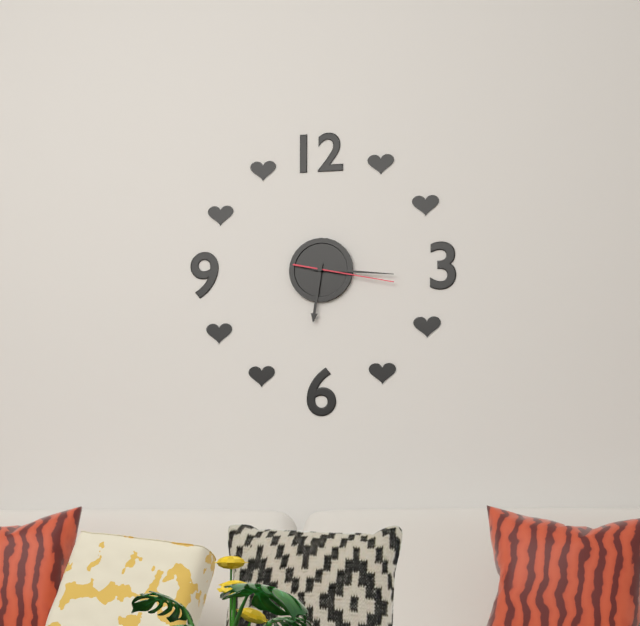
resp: 6,16,17
